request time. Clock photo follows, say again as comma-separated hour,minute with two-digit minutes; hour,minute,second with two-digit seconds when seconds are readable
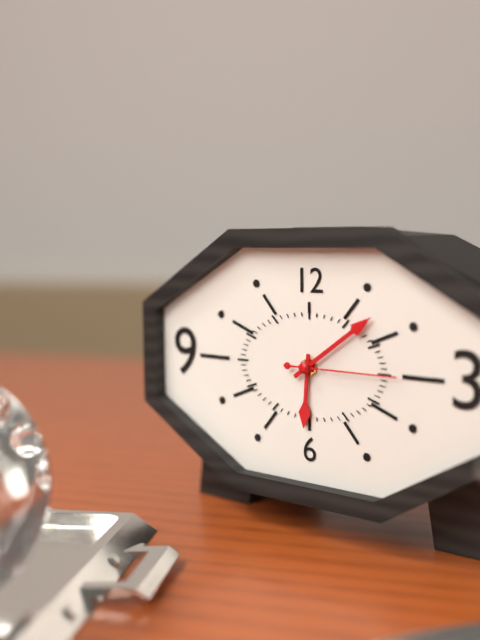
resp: 6,09,15
